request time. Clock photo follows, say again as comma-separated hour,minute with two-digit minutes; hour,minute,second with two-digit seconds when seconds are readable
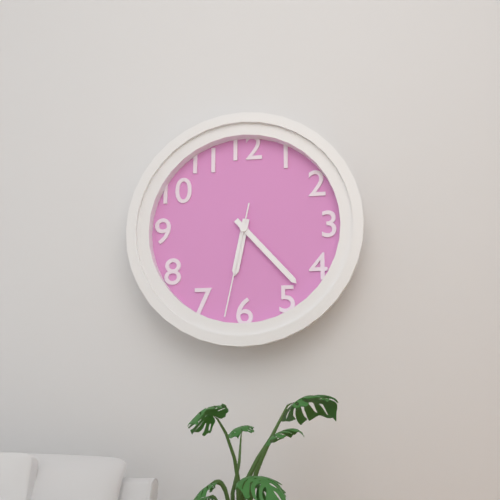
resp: 6,23,32
